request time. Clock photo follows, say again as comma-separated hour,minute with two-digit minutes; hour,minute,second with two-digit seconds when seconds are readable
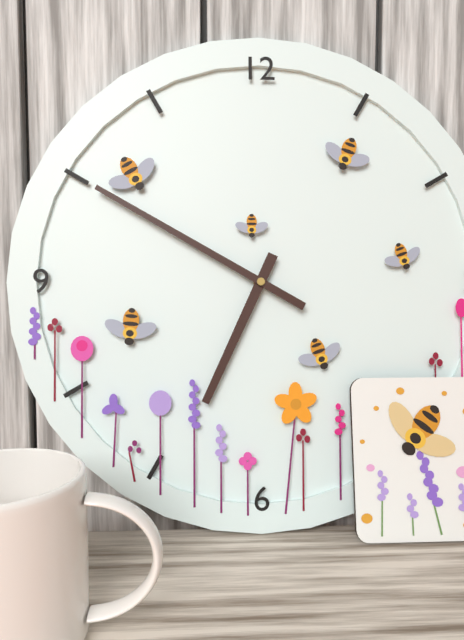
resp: 6,50
